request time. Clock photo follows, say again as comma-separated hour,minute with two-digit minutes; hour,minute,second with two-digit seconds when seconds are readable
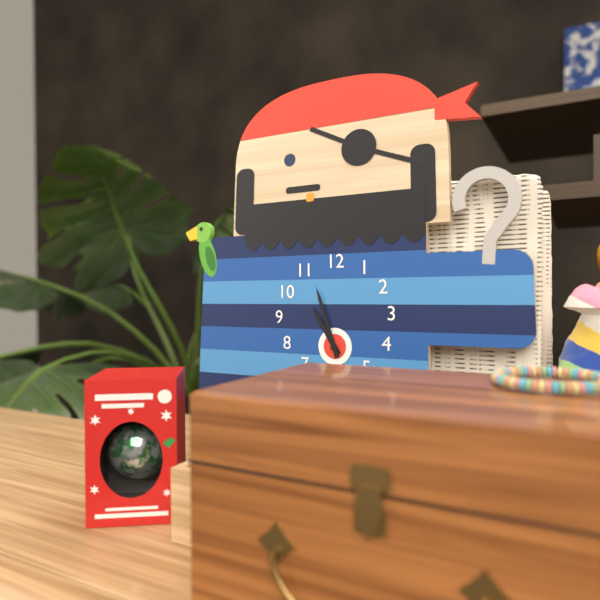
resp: 10,57
